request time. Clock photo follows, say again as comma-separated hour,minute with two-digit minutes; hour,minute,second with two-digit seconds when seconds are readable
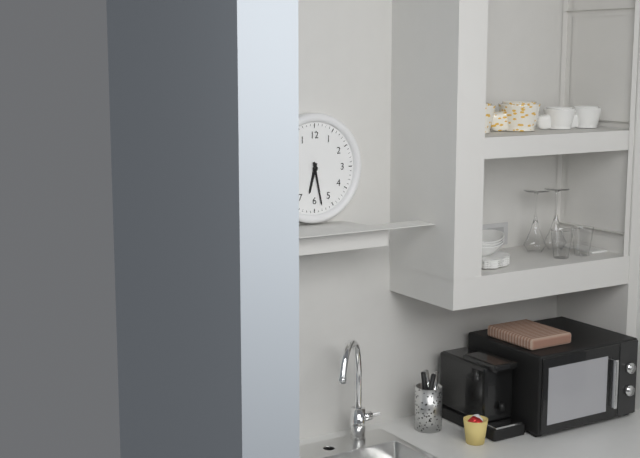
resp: 6,28
